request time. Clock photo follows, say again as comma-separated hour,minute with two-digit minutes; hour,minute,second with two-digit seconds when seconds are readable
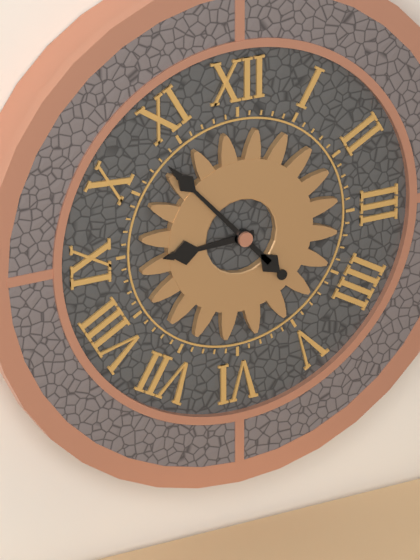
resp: 8,53
